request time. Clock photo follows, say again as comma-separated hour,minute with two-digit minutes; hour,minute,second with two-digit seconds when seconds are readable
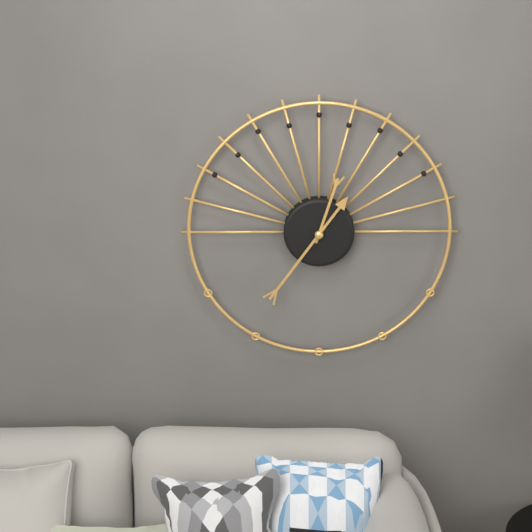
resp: 12,36
